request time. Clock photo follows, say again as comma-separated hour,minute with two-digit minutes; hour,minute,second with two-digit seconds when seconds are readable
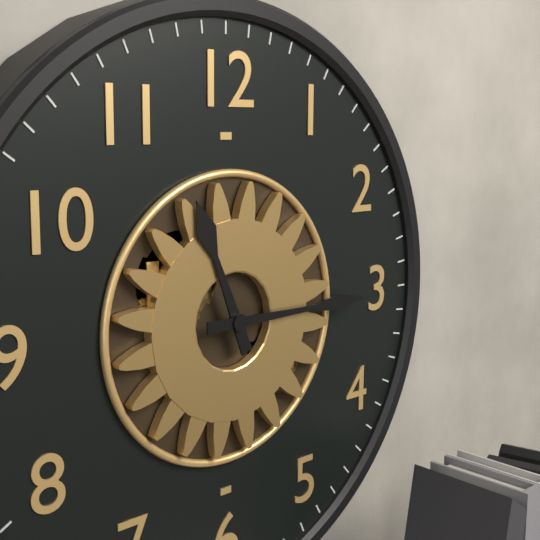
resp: 11,15
